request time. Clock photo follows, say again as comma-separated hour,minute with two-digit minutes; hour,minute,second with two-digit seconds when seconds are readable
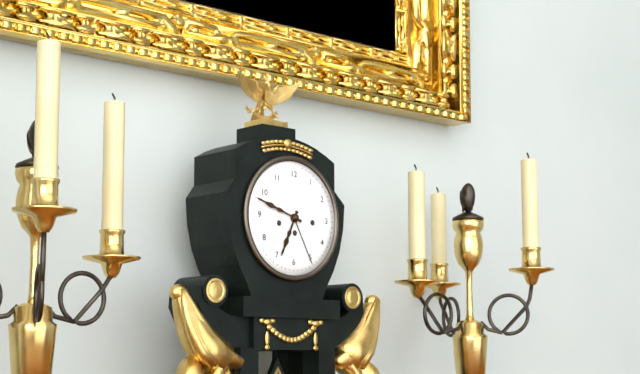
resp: 6,48
